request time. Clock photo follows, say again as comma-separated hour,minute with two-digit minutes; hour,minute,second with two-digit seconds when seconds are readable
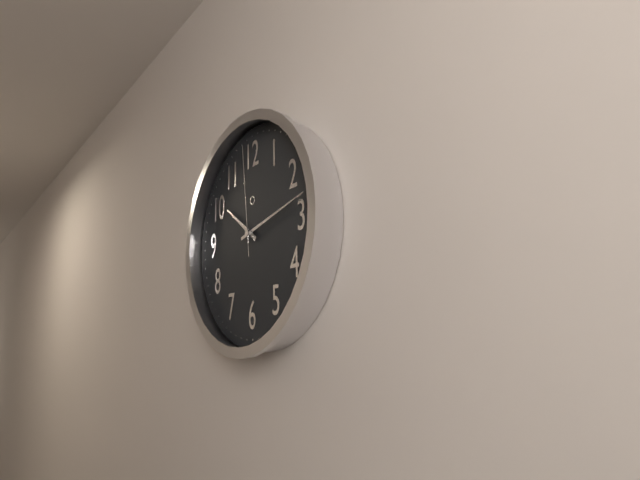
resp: 10,13,59
